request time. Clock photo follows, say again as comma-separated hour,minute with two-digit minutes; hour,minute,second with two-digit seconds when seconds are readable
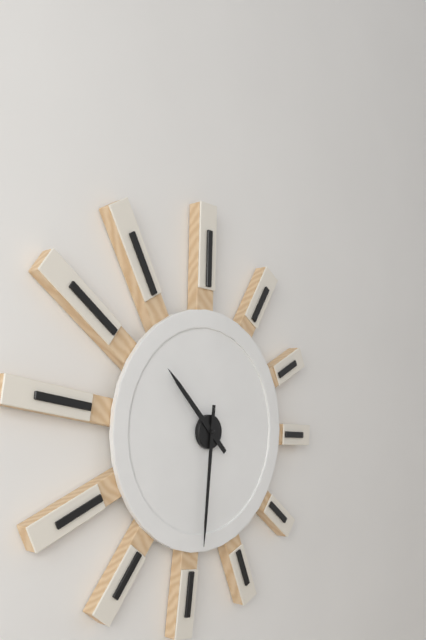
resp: 10,31
